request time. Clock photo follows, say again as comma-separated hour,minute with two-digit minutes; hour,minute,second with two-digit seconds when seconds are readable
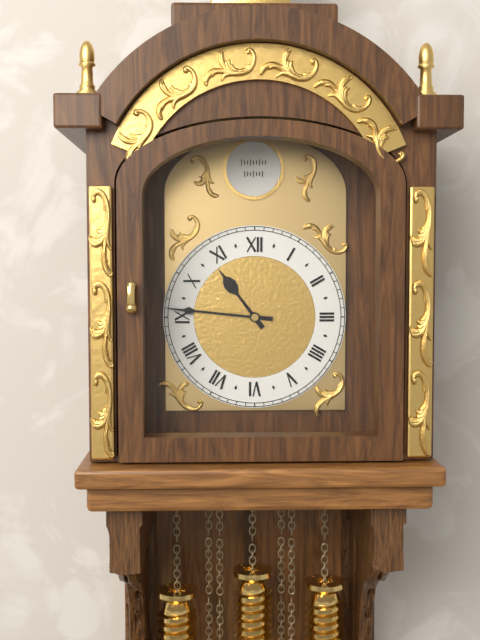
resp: 10,46
